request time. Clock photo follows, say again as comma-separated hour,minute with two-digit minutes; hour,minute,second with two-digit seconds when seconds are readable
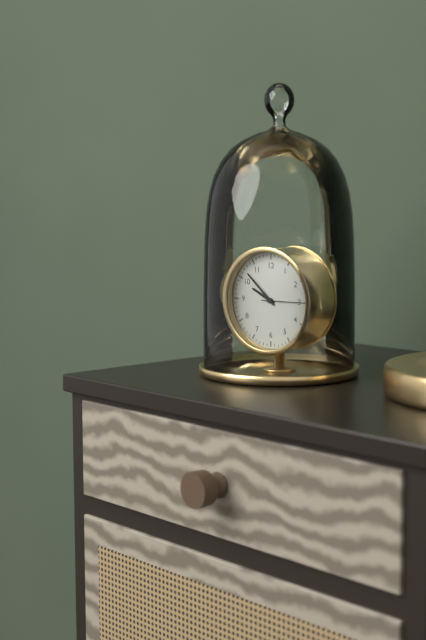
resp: 9,52
